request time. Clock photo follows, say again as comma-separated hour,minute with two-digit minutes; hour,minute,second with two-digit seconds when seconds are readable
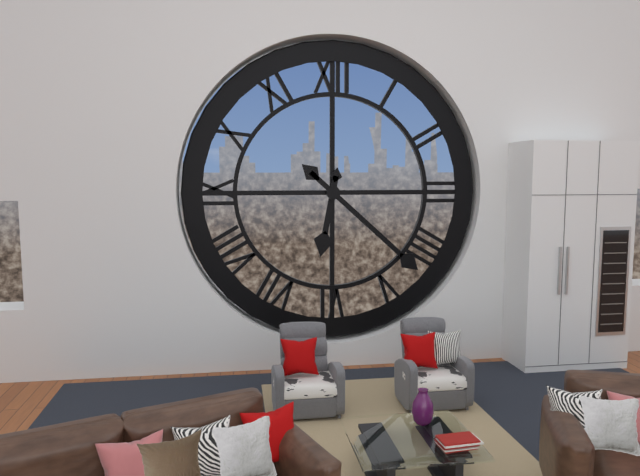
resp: 6,22
